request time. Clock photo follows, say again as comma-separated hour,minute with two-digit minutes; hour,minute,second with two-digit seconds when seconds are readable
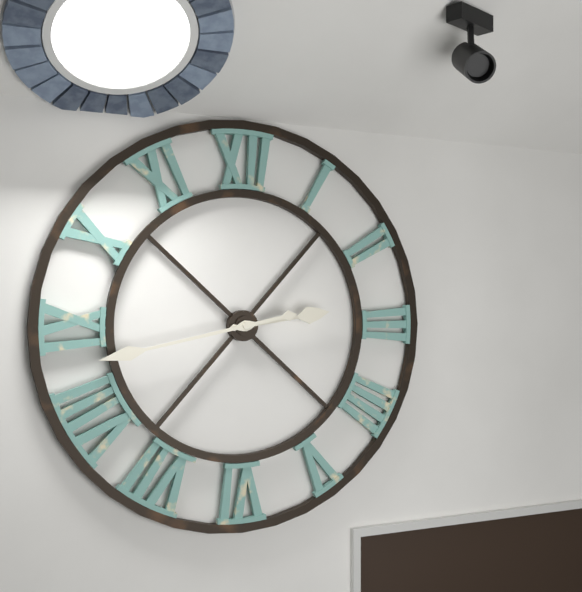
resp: 2,43
